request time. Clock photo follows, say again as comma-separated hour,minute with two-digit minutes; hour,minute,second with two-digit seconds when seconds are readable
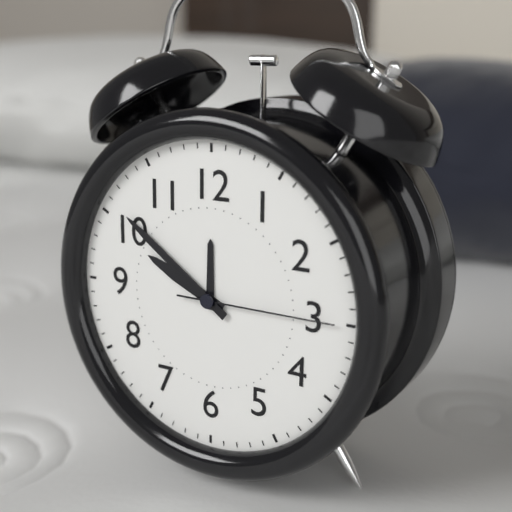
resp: 9,51,15
